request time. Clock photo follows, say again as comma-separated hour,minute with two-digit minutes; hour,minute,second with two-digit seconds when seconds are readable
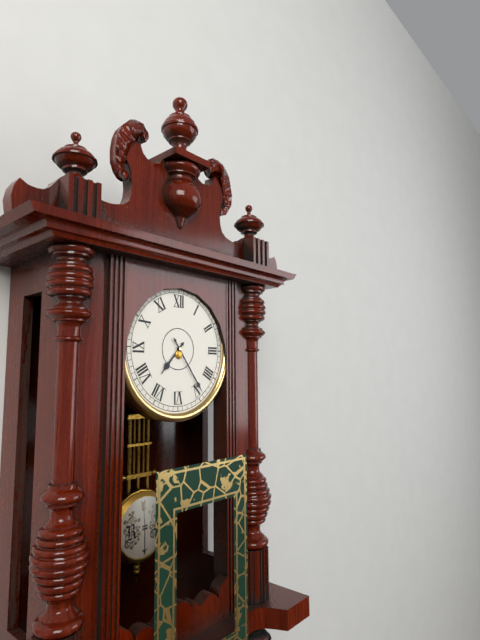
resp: 7,24
